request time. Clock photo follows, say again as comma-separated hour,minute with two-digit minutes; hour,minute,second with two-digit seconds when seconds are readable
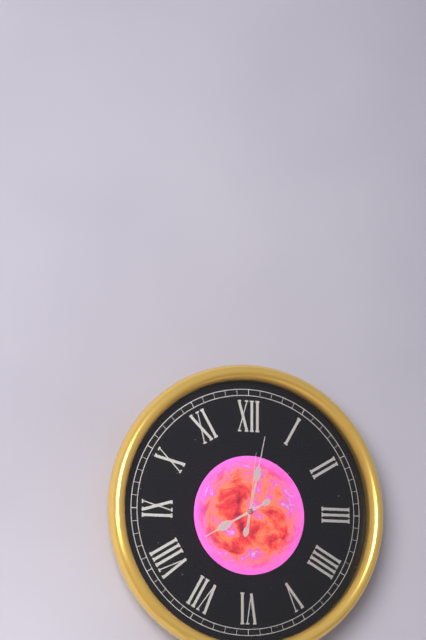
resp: 8,02,01
